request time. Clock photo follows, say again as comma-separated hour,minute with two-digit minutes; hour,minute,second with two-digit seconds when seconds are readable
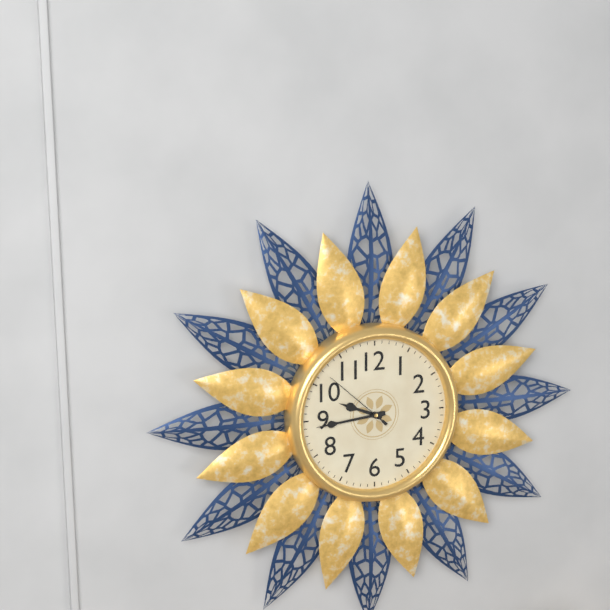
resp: 9,44,52
